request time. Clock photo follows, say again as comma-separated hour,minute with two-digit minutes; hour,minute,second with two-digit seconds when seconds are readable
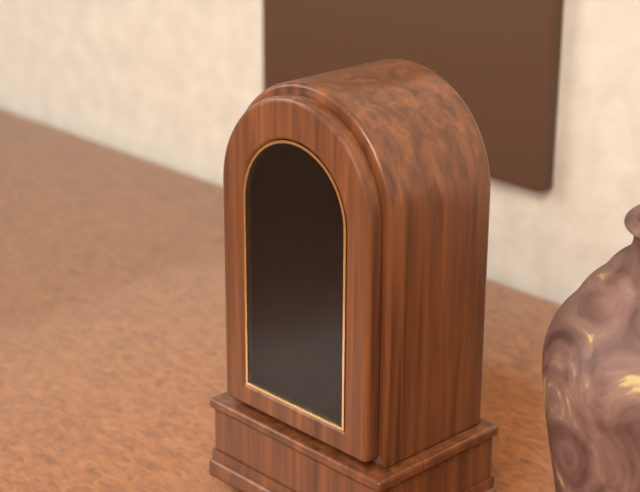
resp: 9,53
